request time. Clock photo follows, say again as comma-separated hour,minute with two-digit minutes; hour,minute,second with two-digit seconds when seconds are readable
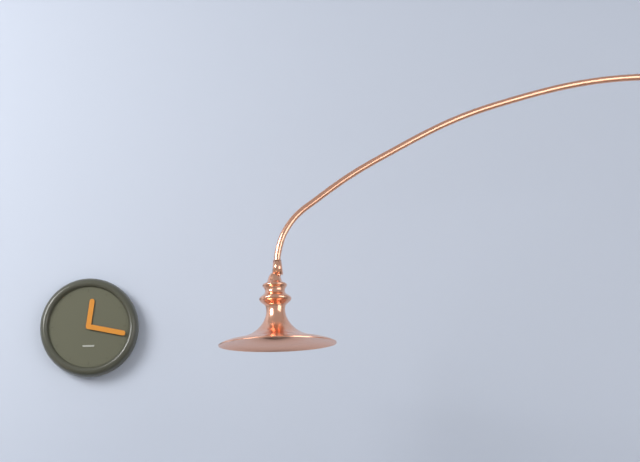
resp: 12,17
